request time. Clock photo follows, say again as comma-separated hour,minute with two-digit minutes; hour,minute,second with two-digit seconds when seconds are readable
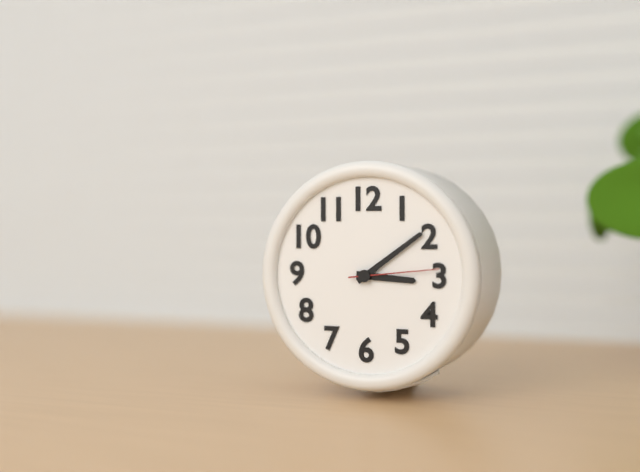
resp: 3,09,14
